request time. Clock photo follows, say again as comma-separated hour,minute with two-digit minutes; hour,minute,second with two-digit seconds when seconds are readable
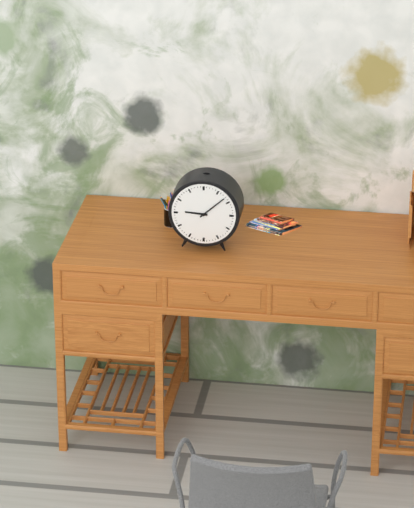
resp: 9,08
